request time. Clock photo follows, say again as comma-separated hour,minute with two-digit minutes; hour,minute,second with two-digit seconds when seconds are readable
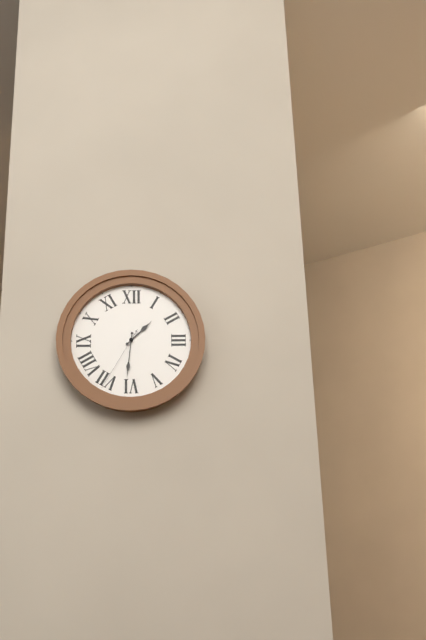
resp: 1,31,35
